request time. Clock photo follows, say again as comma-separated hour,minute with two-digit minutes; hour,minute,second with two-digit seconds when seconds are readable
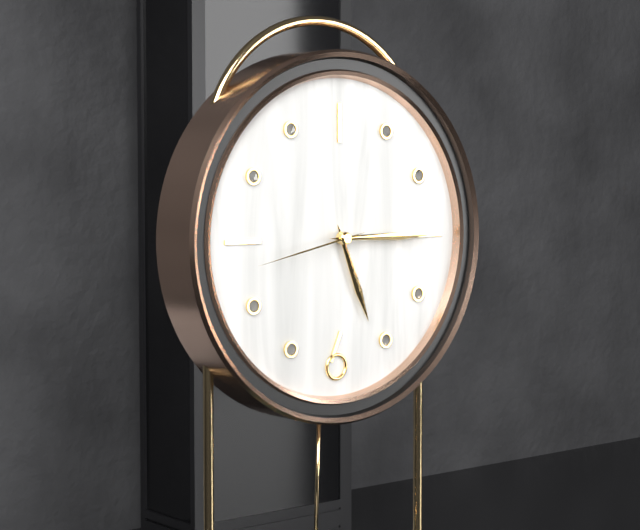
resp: 5,15,43
